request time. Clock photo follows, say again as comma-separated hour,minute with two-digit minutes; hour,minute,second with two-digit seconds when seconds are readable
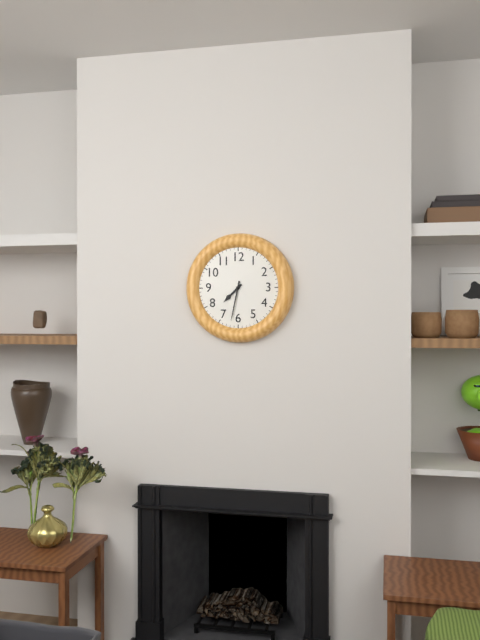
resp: 7,32
